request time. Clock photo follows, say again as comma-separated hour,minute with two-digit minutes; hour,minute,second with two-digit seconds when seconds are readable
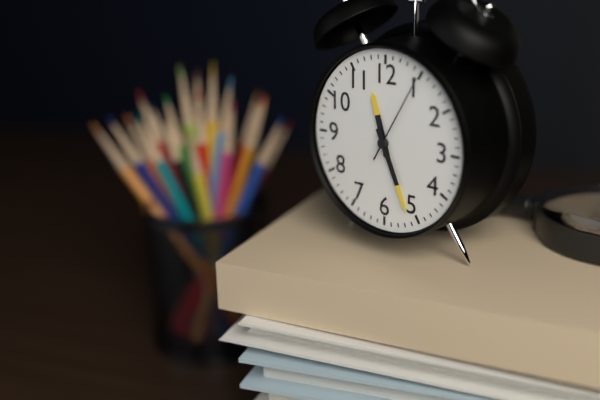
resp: 11,26,05
